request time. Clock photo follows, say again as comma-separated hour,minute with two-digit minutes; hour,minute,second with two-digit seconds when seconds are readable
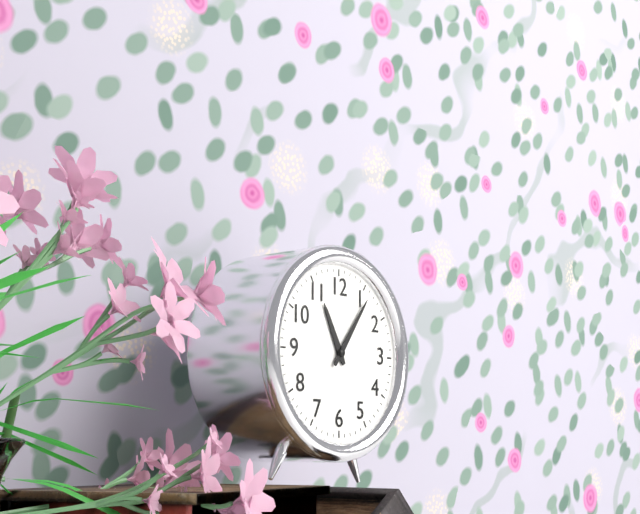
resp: 11,06
